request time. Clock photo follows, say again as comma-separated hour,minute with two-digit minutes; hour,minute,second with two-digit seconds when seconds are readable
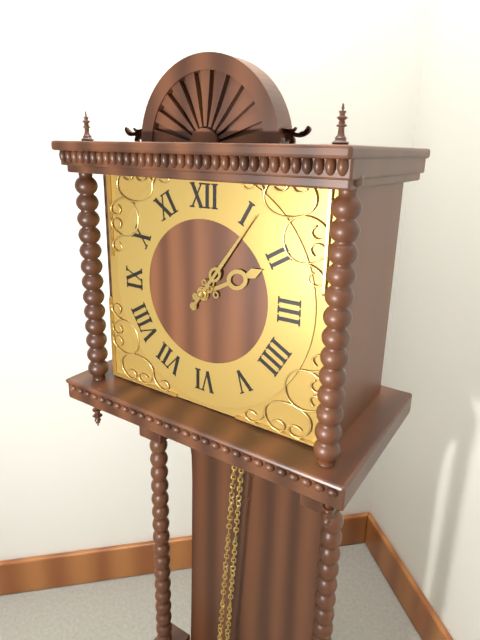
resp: 2,06
